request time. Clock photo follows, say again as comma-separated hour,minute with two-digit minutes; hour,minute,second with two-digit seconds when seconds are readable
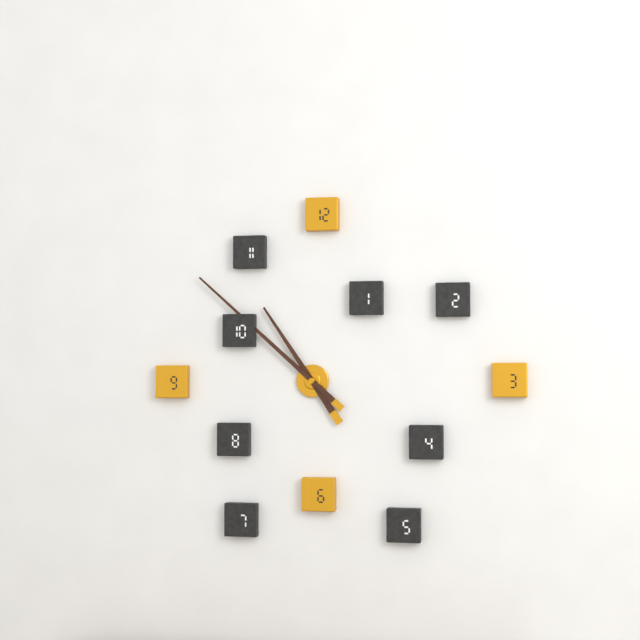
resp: 10,52
